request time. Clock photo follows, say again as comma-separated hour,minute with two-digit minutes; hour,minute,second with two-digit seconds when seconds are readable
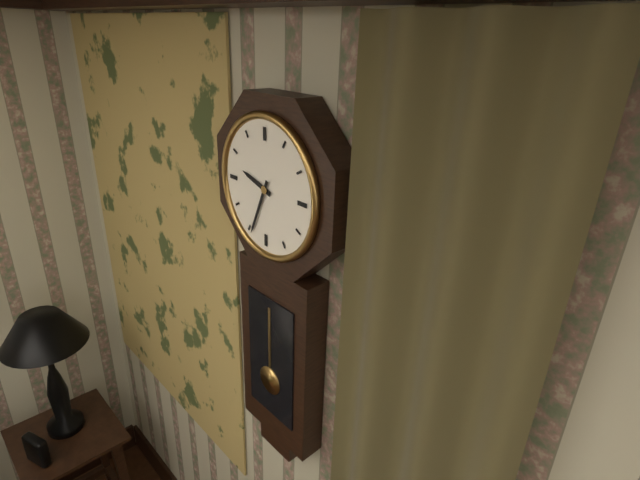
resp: 9,34
